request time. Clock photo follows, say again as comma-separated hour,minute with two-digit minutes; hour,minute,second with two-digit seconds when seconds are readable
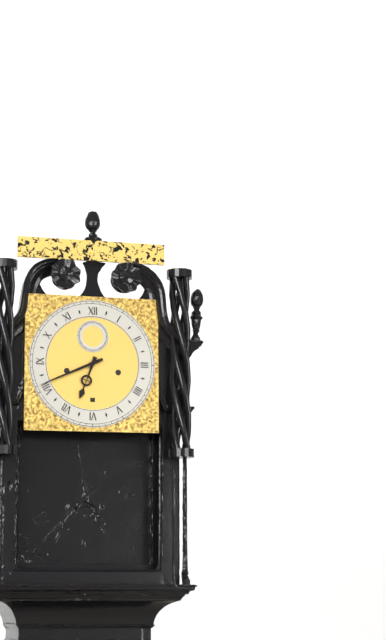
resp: 6,41
